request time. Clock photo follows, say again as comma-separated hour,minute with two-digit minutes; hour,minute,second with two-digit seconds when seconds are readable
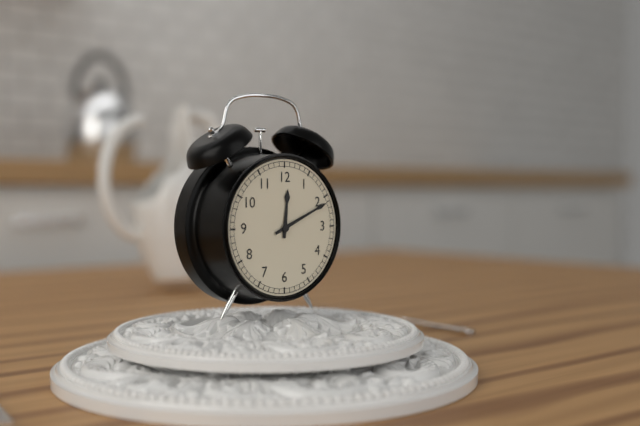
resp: 12,11
